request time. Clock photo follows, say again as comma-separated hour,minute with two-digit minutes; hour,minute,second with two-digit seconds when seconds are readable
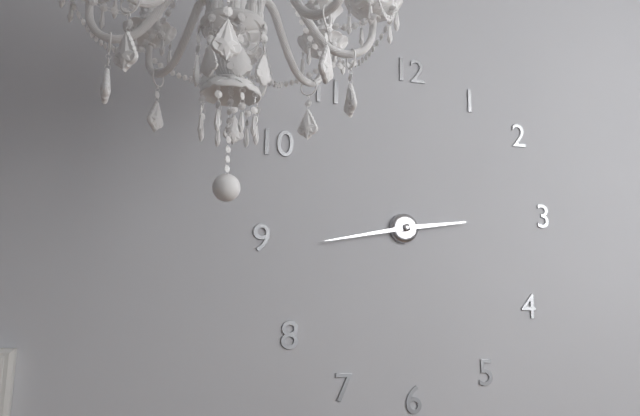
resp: 2,43
